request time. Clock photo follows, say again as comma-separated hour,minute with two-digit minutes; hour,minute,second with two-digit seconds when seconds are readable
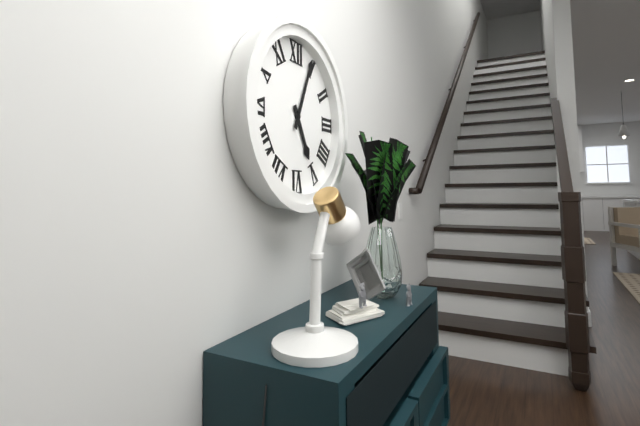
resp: 5,04
